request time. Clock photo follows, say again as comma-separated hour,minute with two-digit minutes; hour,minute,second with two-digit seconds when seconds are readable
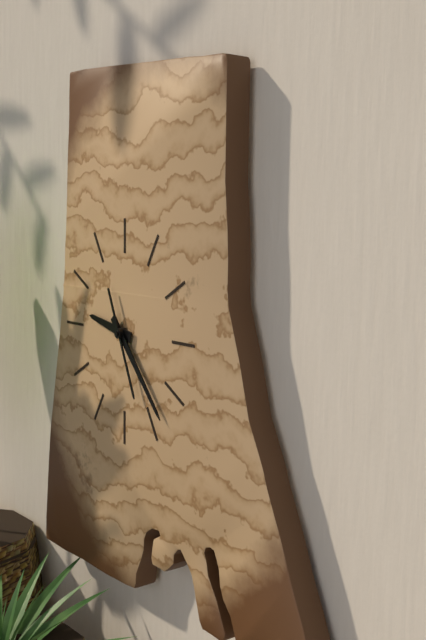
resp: 9,23,26
